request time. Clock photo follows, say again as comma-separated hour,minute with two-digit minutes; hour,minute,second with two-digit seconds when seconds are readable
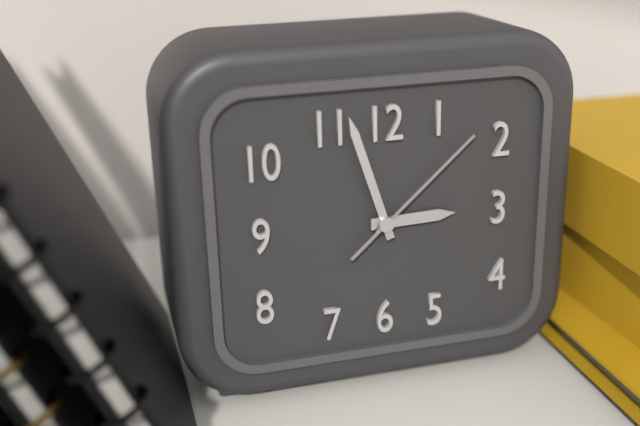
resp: 2,57,08
